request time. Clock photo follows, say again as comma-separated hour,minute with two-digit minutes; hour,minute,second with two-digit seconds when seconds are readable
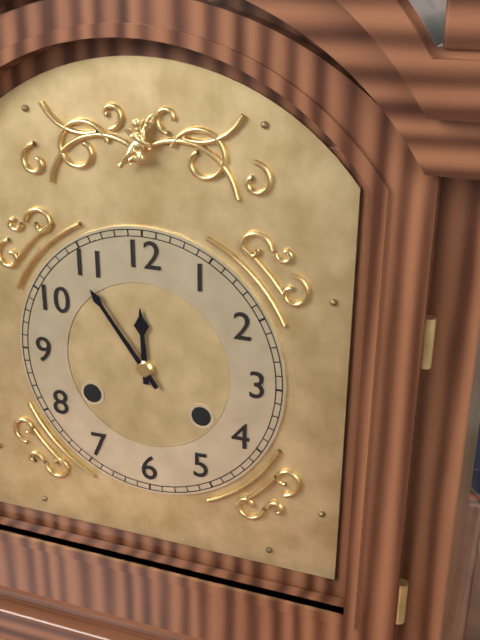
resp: 11,54
